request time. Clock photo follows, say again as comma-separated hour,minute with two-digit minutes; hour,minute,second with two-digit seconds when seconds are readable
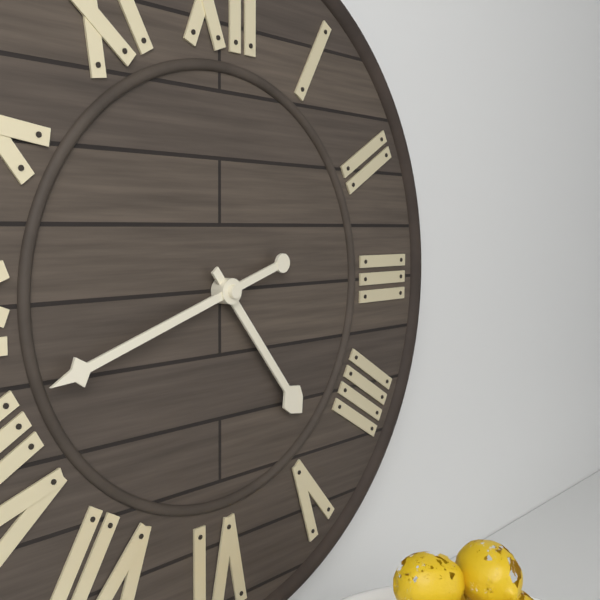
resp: 4,42
